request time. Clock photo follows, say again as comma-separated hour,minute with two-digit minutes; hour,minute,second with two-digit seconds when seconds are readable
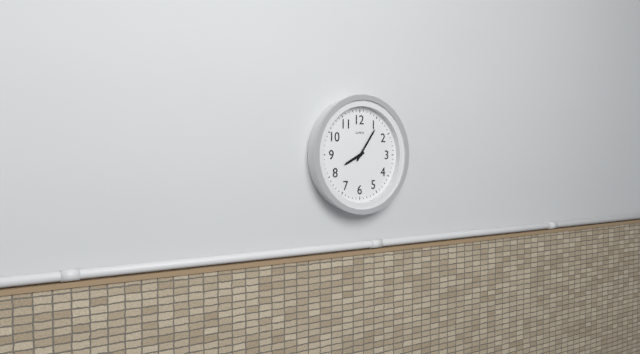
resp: 8,06
